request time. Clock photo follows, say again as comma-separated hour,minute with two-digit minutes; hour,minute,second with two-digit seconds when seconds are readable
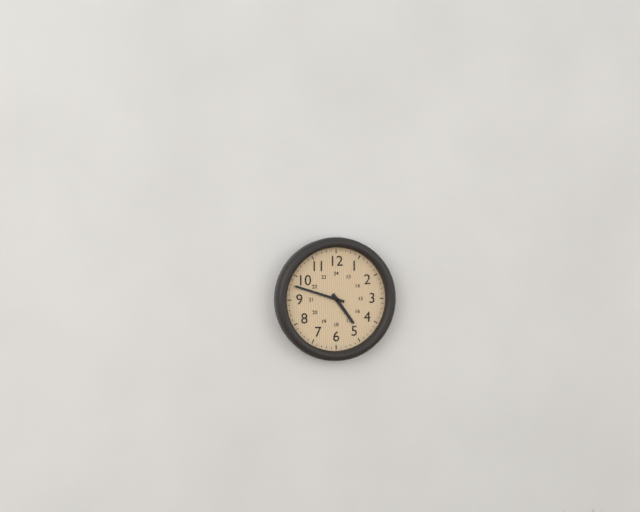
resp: 4,48
